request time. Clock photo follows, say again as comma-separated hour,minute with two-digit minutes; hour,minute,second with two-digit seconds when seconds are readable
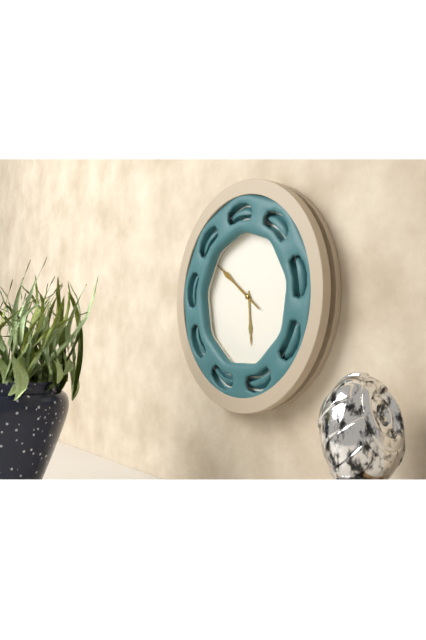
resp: 5,51
